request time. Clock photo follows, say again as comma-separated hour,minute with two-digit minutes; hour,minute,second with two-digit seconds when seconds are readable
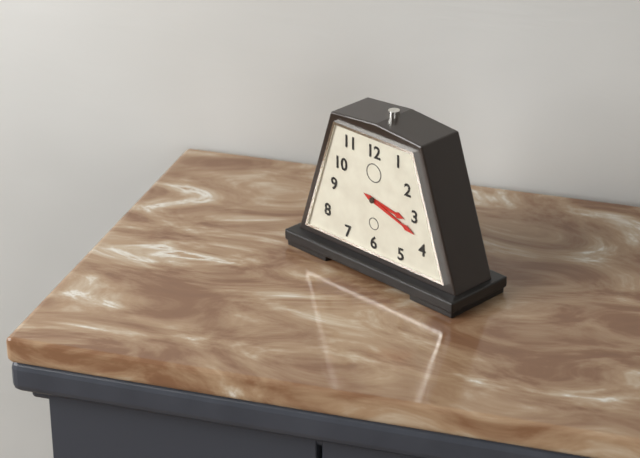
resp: 3,18
